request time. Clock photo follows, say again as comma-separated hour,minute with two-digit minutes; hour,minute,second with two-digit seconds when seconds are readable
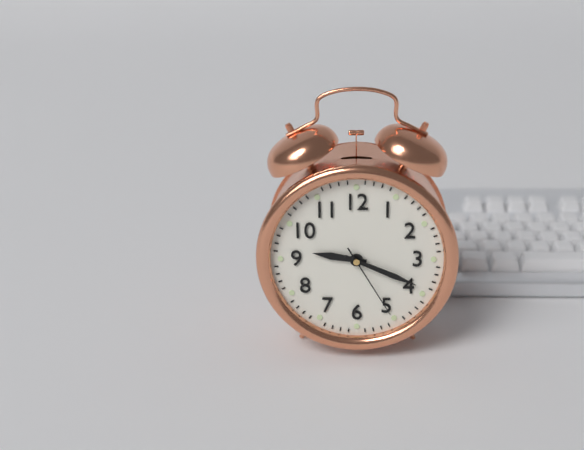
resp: 9,19,25
